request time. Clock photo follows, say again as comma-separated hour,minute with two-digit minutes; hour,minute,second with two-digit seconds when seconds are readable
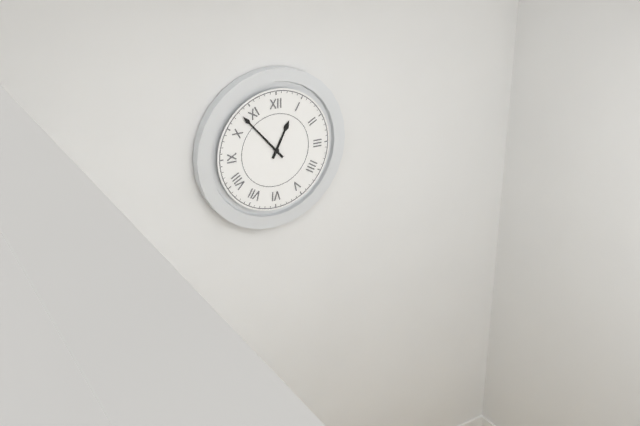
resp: 12,53
